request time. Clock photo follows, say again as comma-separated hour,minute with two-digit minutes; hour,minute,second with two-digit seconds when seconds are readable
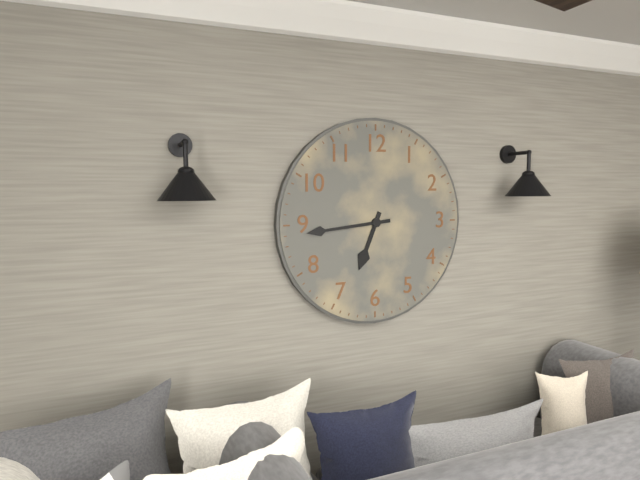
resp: 6,44
